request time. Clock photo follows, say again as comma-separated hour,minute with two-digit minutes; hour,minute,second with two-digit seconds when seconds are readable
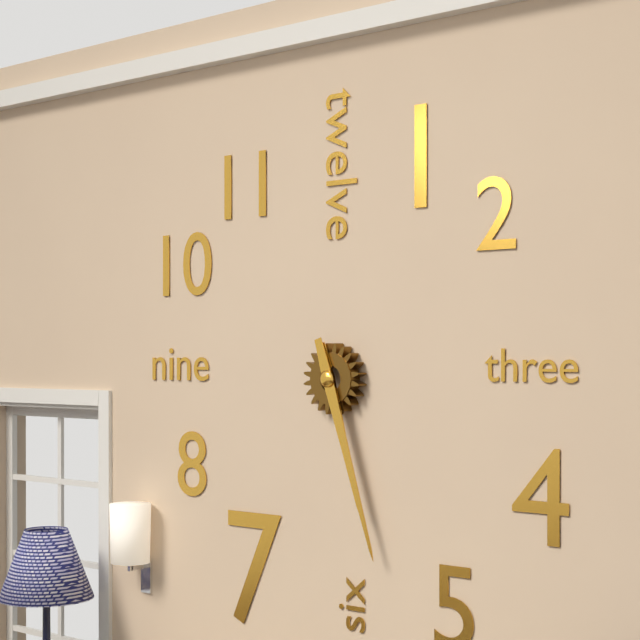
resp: 5,27
